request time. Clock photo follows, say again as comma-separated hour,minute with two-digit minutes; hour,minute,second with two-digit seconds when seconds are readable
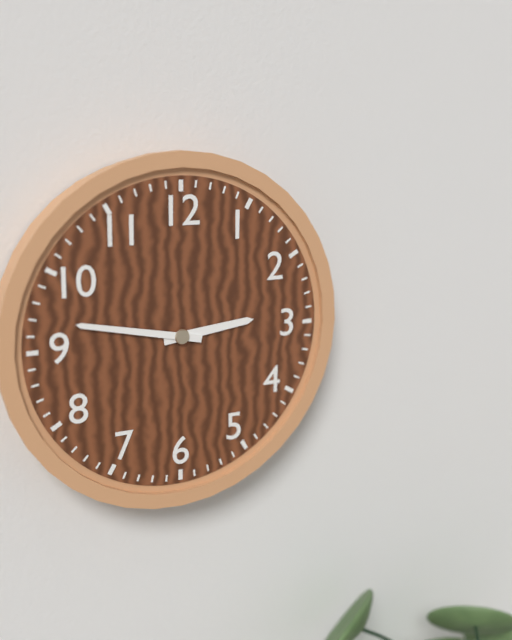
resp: 2,47
